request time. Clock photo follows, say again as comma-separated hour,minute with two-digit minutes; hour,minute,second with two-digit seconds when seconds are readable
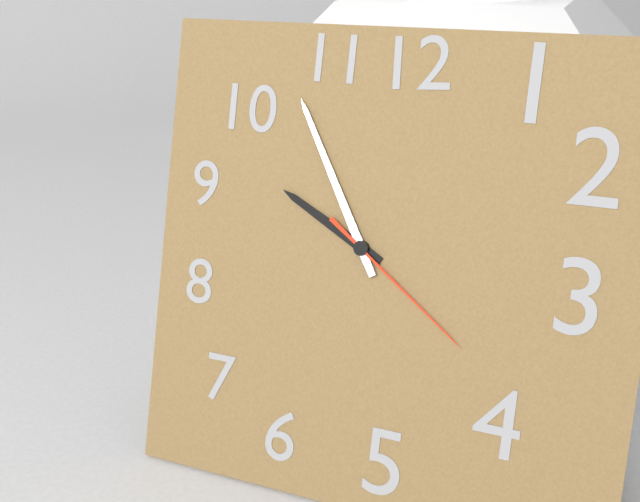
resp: 9,55,21
